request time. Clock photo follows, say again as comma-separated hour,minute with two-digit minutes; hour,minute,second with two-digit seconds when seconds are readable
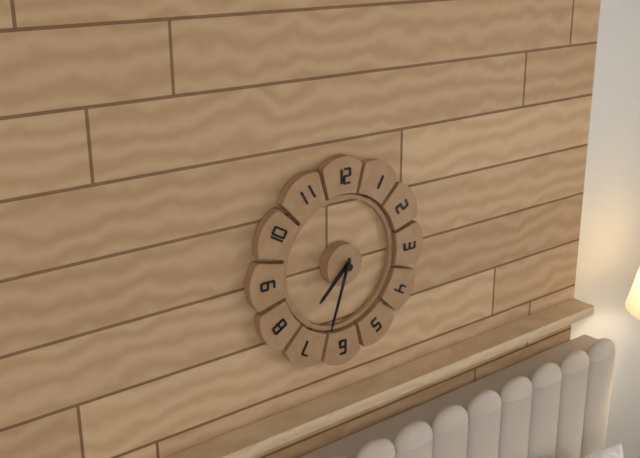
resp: 7,33
